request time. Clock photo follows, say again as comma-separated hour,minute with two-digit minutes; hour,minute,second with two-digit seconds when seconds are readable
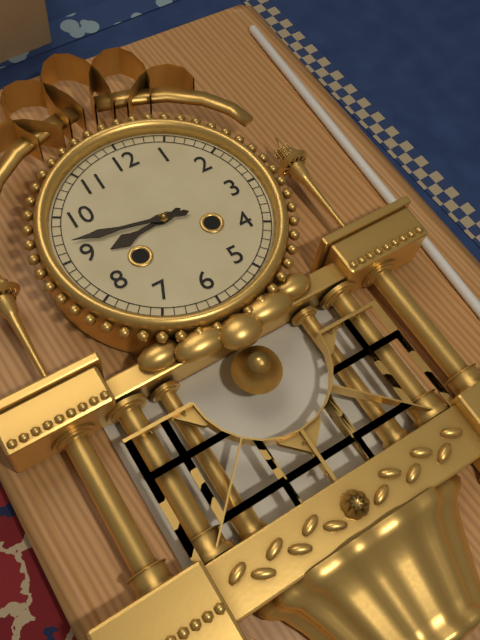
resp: 8,47
